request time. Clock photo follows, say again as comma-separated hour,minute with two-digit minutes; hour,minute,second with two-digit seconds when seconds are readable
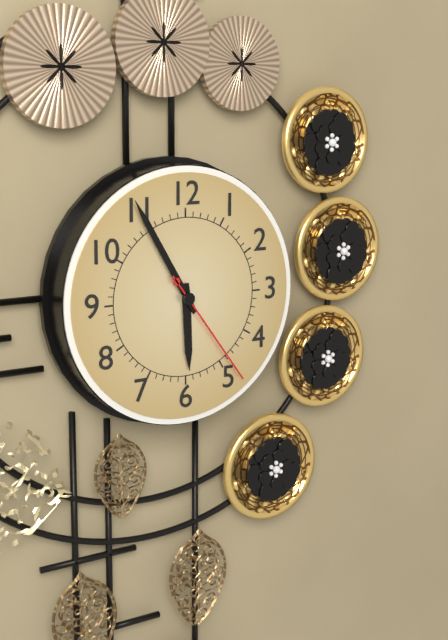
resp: 5,55,24
